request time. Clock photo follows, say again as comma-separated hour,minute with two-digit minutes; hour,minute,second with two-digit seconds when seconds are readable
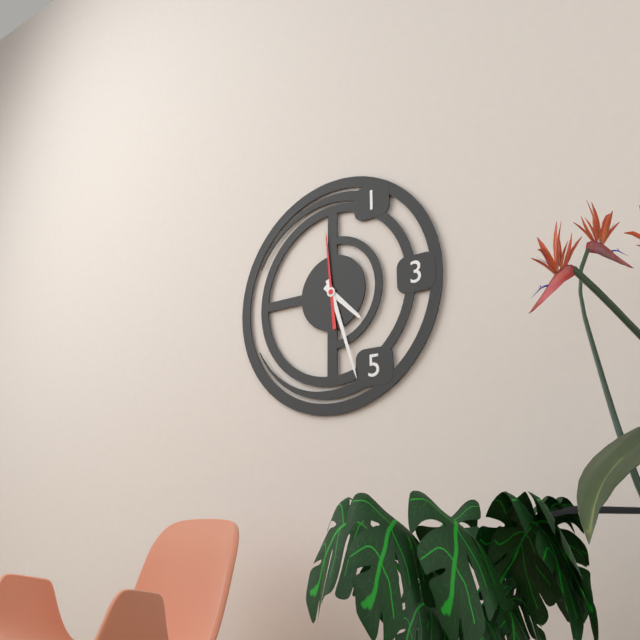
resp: 4,27,59
